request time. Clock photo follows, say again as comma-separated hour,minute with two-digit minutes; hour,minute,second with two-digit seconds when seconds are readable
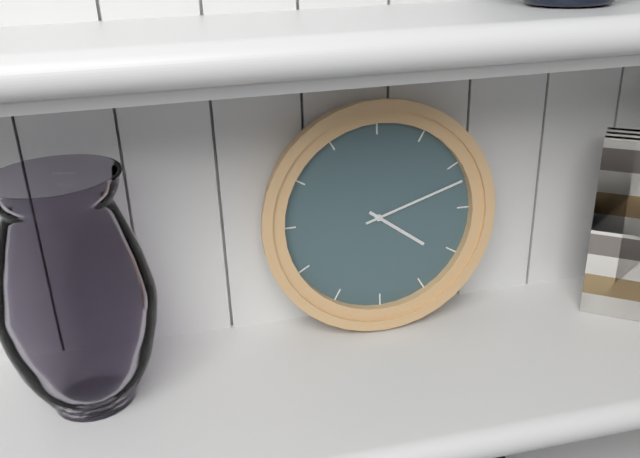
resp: 4,12
